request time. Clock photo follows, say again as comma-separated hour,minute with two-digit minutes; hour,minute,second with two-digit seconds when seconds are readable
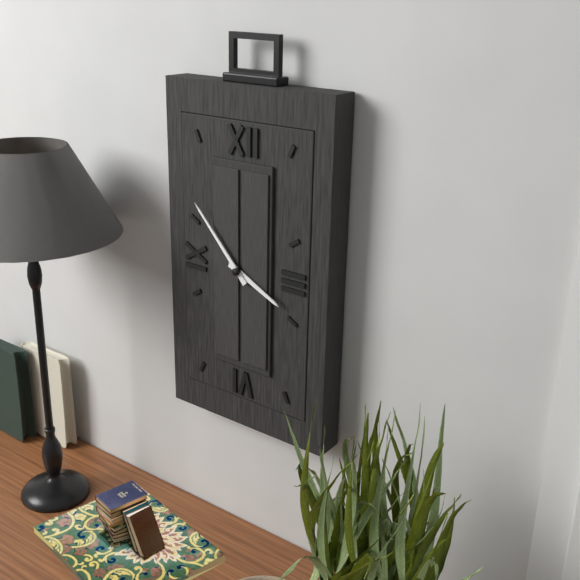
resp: 3,53
